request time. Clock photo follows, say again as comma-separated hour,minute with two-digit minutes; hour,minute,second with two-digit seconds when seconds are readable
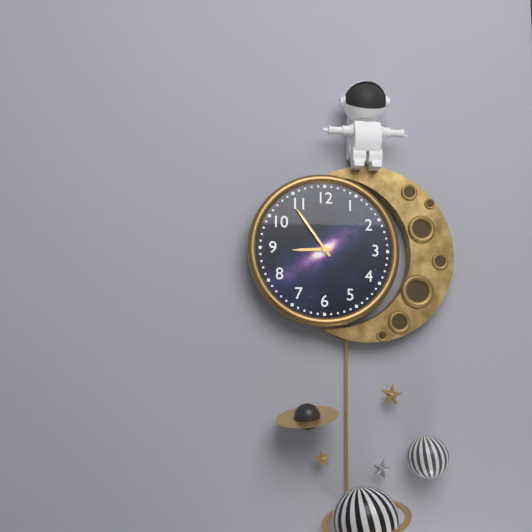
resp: 8,54
